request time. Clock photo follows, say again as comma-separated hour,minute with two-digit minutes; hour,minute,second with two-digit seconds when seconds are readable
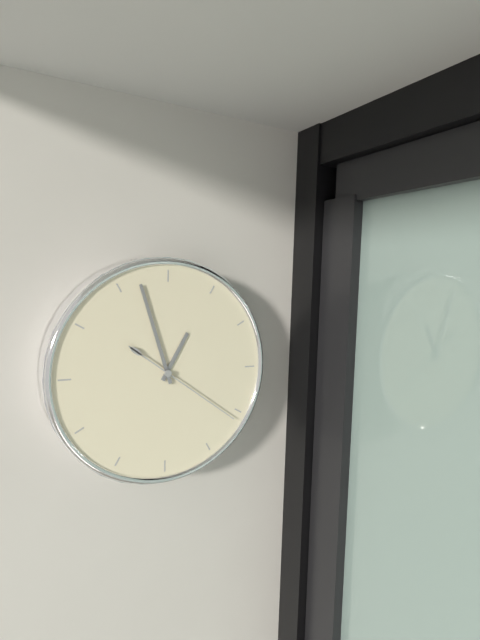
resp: 12,57,21
